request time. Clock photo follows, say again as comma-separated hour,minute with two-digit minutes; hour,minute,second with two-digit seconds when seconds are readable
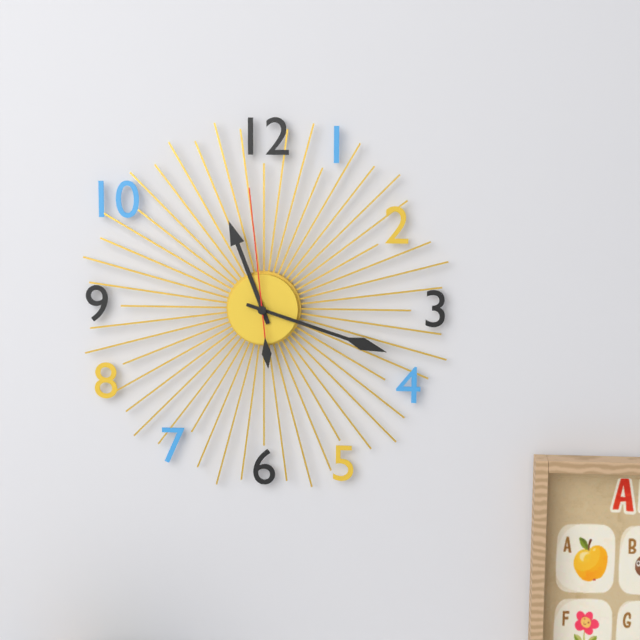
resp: 11,18,59
